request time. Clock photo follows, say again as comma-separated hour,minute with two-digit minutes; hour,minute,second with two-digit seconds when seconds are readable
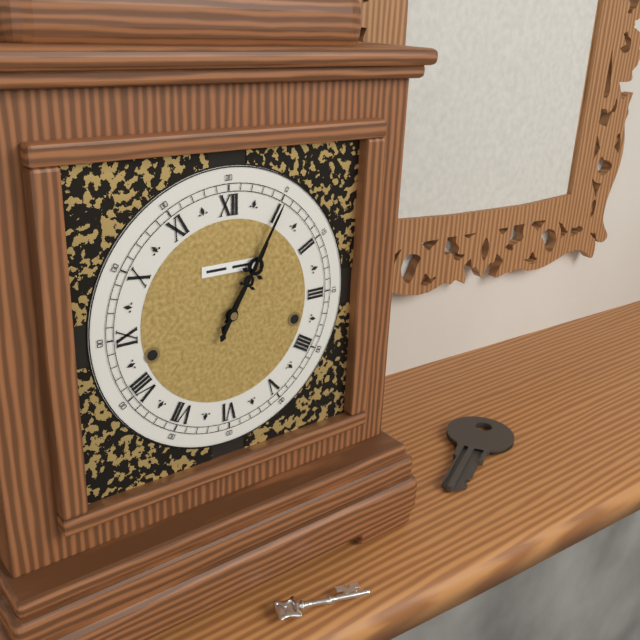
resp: 1,05
